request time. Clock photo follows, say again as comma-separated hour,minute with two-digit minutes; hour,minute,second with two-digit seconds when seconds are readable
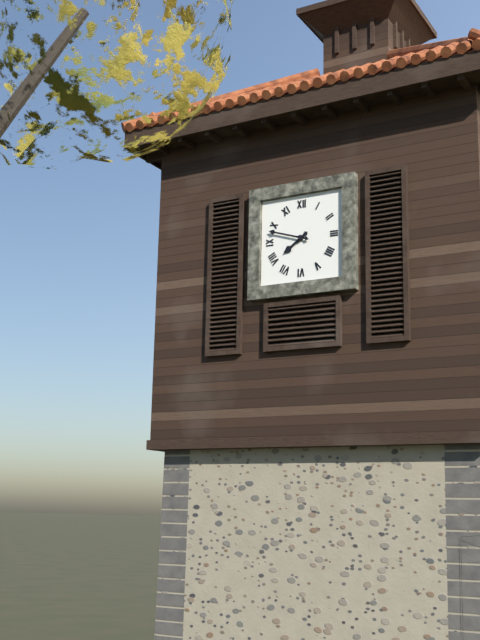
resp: 7,48
